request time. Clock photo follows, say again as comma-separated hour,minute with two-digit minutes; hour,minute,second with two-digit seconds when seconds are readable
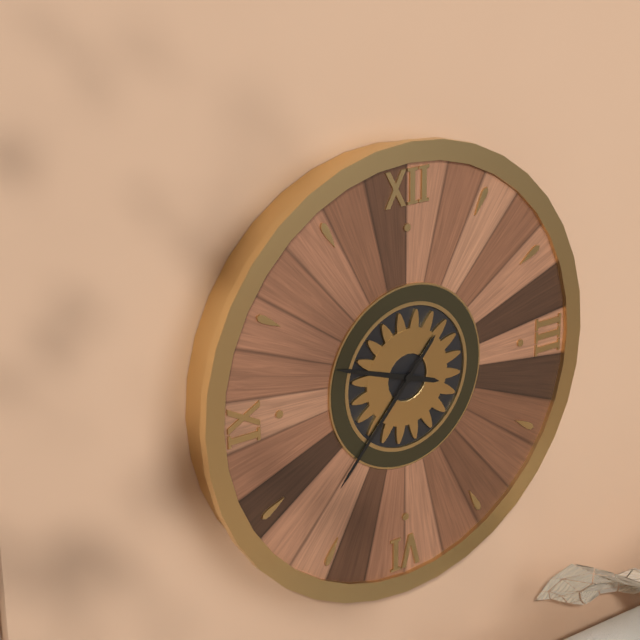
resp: 9,37
